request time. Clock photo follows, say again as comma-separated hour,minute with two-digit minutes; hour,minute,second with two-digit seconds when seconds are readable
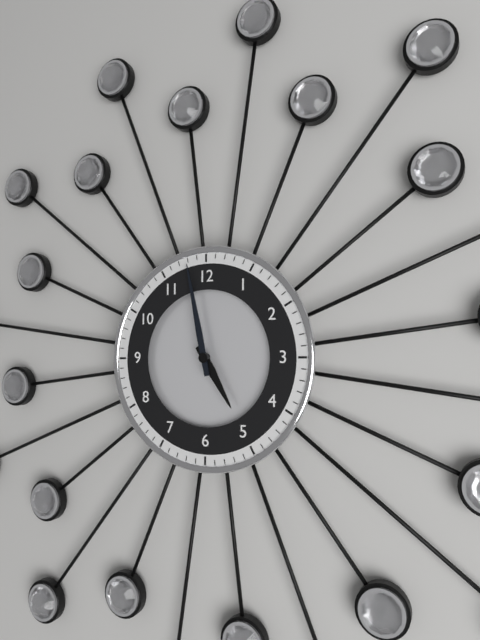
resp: 4,58
